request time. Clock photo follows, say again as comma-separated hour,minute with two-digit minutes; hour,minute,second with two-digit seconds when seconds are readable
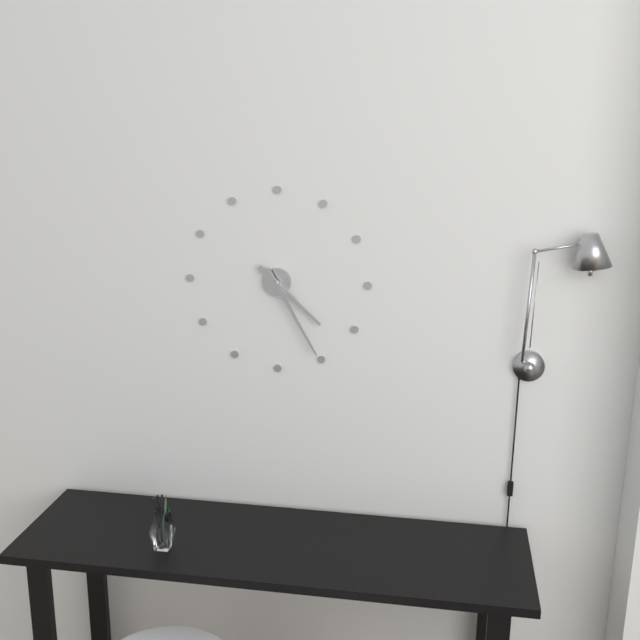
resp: 4,25
